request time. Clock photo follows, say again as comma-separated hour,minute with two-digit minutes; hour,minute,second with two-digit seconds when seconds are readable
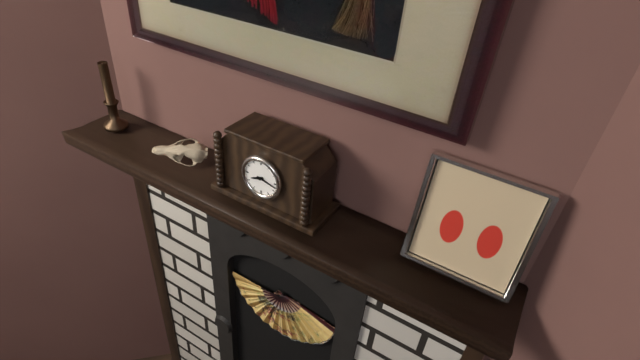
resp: 8,17
